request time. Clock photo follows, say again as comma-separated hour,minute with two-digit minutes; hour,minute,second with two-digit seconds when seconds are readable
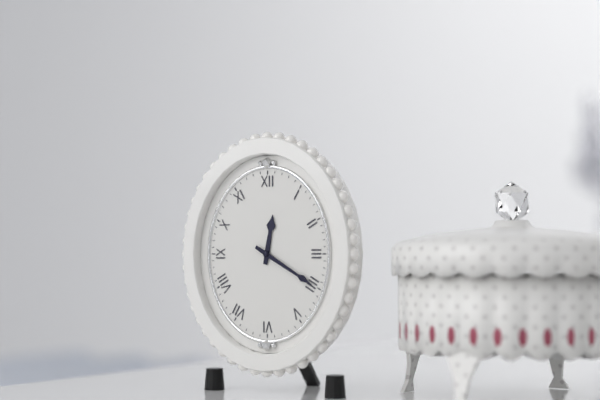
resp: 12,20
